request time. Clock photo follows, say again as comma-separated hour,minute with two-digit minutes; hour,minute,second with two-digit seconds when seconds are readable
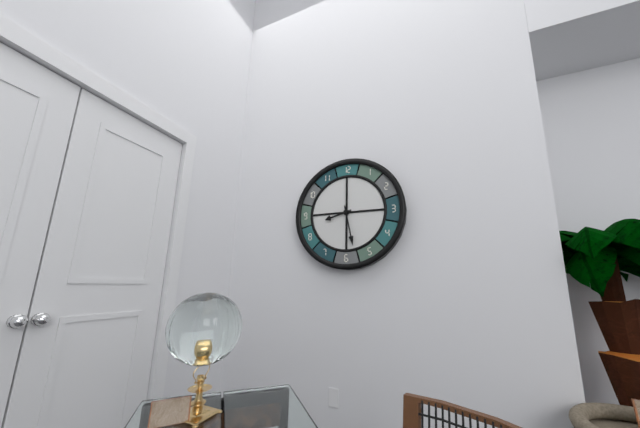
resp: 8,28
